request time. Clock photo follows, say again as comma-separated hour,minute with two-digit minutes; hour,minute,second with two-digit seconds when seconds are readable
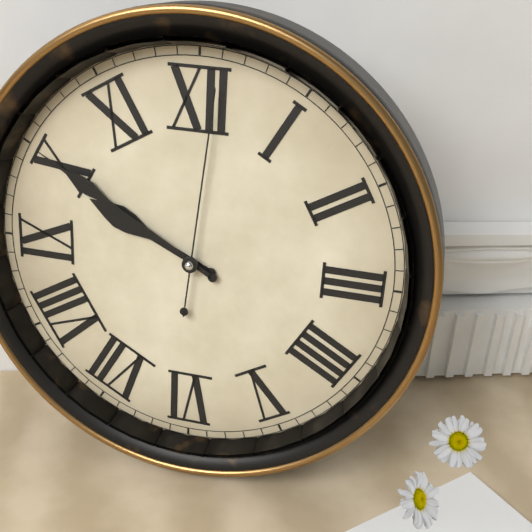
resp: 9,50,01
